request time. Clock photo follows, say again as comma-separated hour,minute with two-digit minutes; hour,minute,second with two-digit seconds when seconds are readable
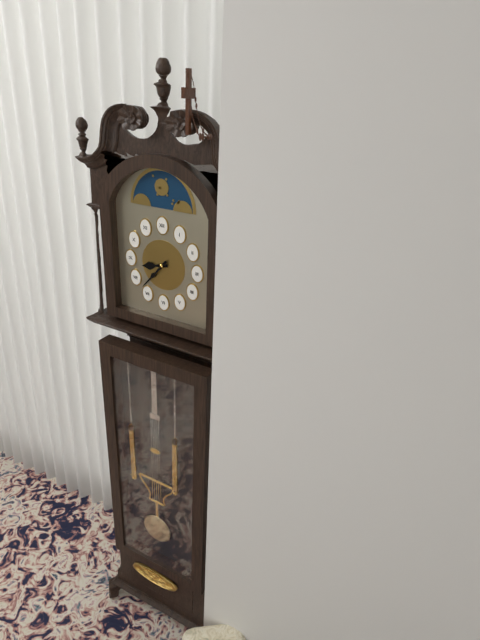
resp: 8,37
